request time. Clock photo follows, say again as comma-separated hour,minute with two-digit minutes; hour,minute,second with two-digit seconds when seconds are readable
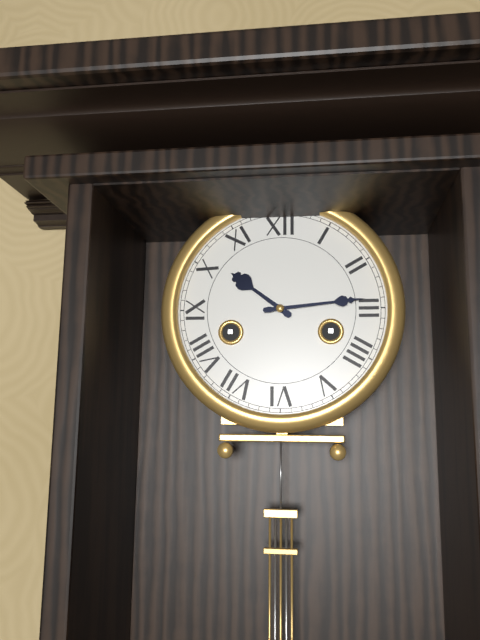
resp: 10,14
